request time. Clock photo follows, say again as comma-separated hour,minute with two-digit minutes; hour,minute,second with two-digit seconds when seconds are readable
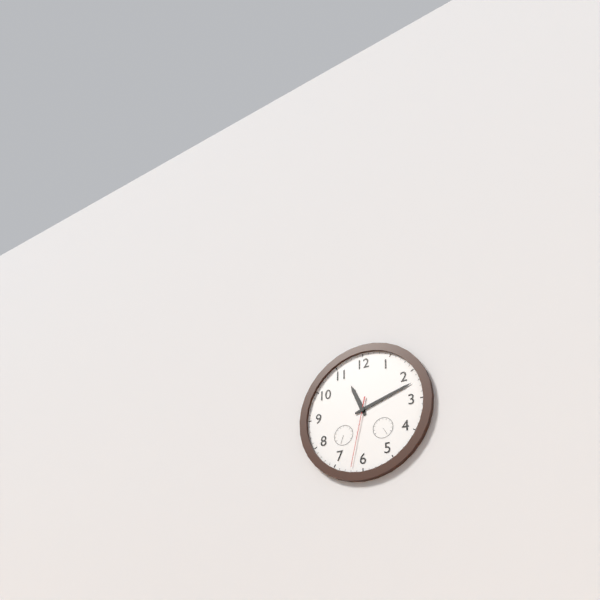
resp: 11,12,32
